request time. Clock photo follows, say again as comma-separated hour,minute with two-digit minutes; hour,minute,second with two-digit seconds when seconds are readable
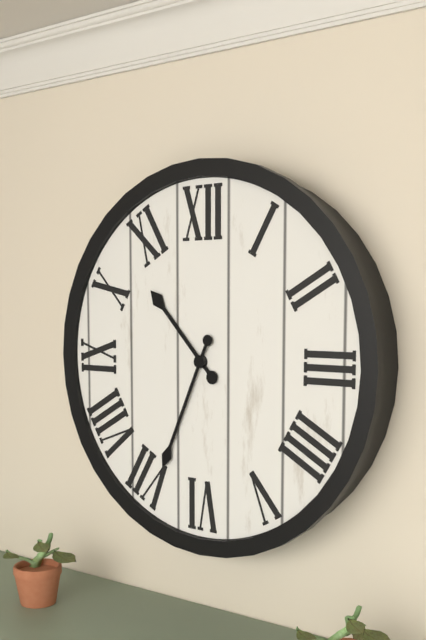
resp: 10,34
